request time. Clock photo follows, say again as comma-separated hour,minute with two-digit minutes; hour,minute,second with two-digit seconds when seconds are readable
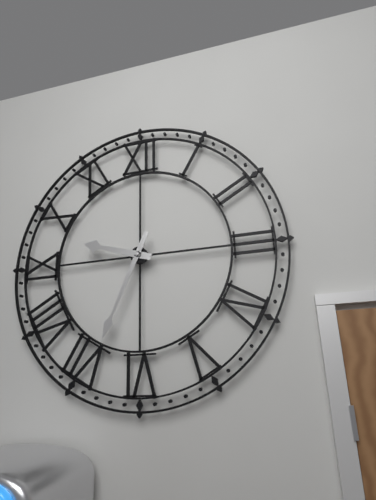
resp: 9,34
